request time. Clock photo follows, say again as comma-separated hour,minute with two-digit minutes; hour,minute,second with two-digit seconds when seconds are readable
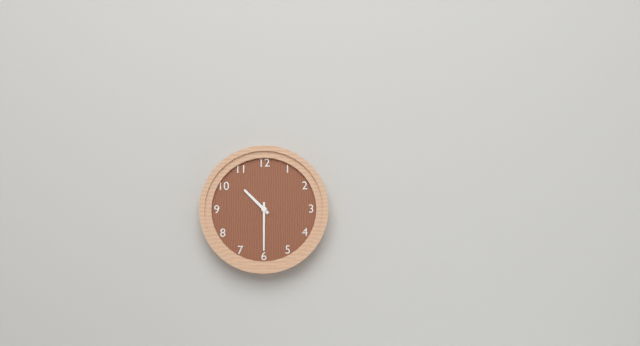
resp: 10,30
